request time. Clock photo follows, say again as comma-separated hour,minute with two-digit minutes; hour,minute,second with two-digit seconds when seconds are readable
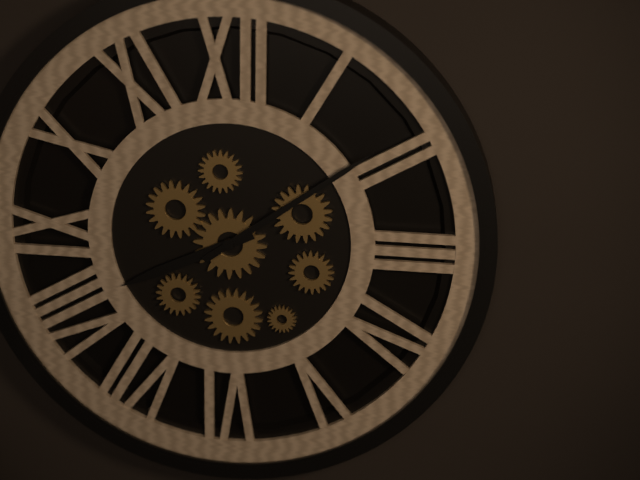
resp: 8,09
